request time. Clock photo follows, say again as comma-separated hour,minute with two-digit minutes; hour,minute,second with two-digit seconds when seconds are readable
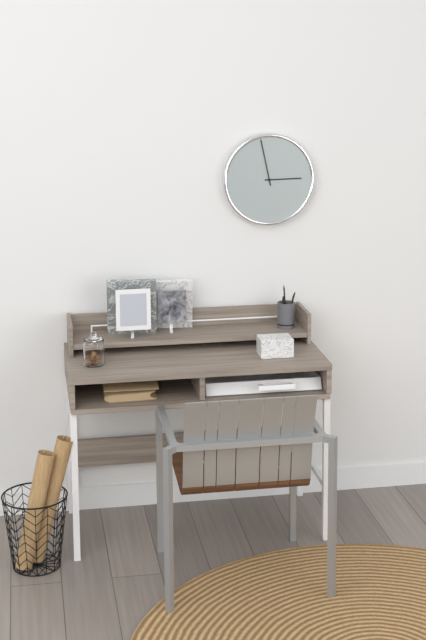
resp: 2,58
